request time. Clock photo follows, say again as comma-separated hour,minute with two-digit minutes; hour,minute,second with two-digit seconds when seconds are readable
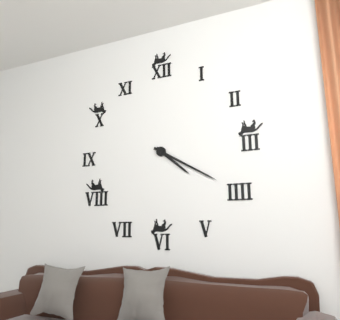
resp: 4,20
